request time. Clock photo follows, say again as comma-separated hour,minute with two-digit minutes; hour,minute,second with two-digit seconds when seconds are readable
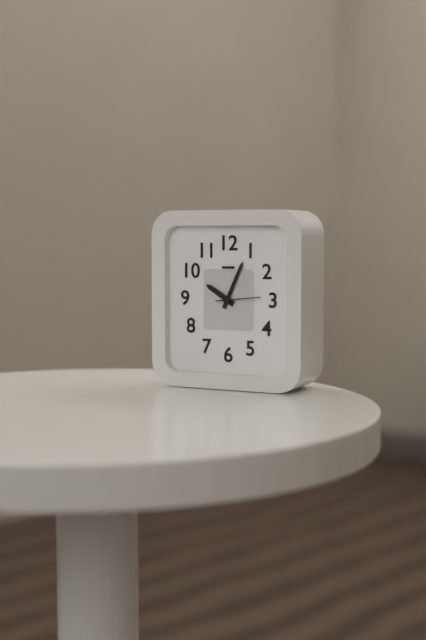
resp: 10,04
